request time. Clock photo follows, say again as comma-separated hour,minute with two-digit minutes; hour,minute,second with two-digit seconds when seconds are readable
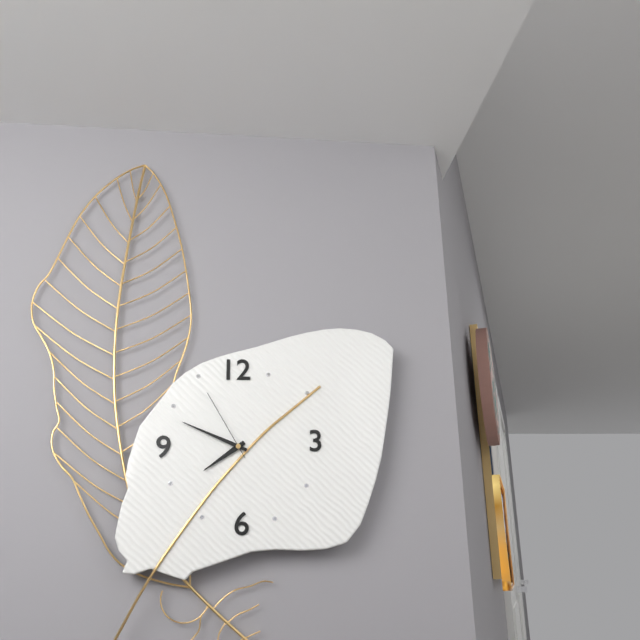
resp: 7,49,55
